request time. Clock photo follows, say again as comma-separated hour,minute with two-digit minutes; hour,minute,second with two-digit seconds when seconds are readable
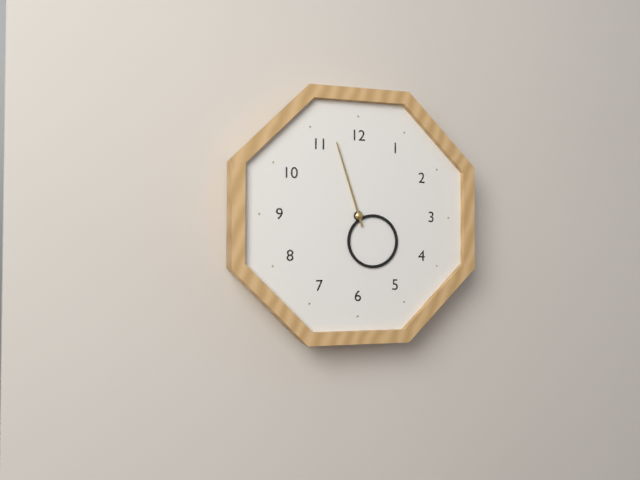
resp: 4,57
